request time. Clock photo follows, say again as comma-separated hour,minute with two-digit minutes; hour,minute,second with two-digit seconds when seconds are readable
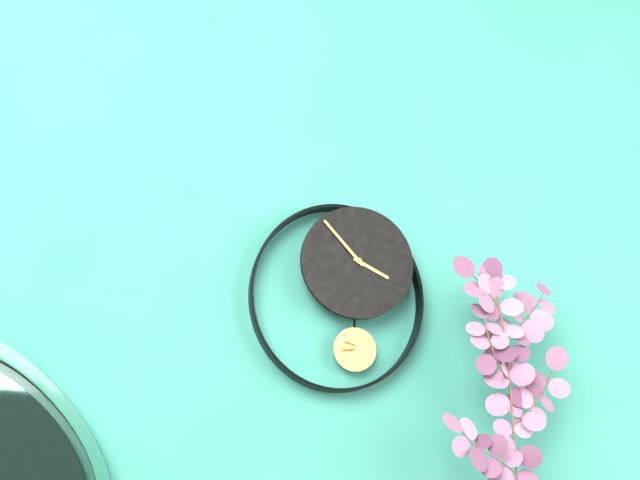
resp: 3,53
